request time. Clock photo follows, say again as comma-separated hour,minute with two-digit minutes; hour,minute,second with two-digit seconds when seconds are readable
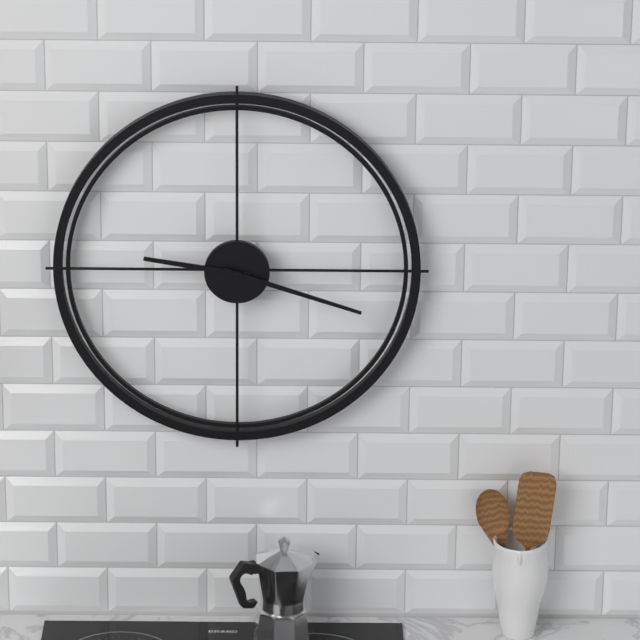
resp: 9,18
